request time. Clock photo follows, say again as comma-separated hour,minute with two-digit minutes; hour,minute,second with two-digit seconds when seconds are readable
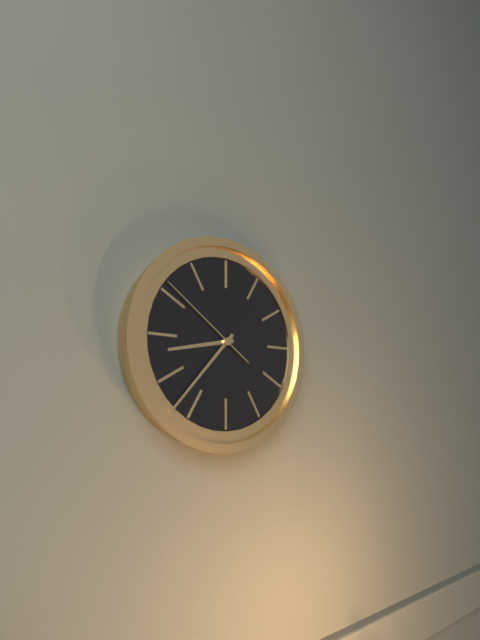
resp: 8,37,51
